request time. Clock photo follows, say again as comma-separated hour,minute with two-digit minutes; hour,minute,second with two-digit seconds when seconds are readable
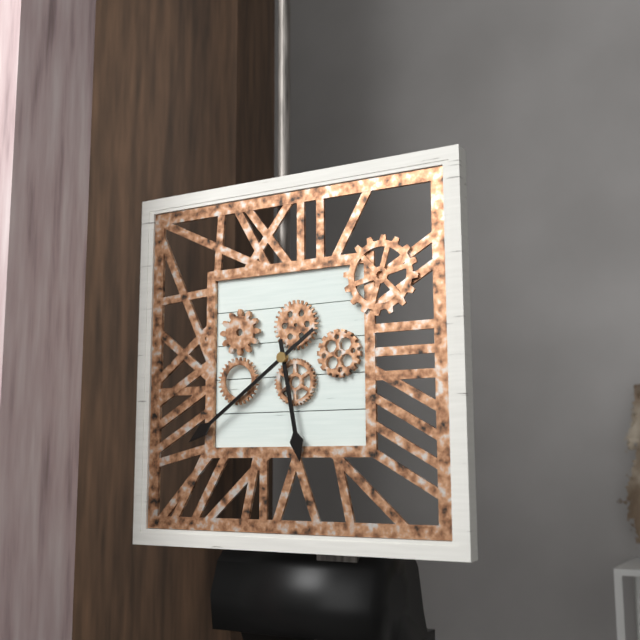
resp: 5,39
